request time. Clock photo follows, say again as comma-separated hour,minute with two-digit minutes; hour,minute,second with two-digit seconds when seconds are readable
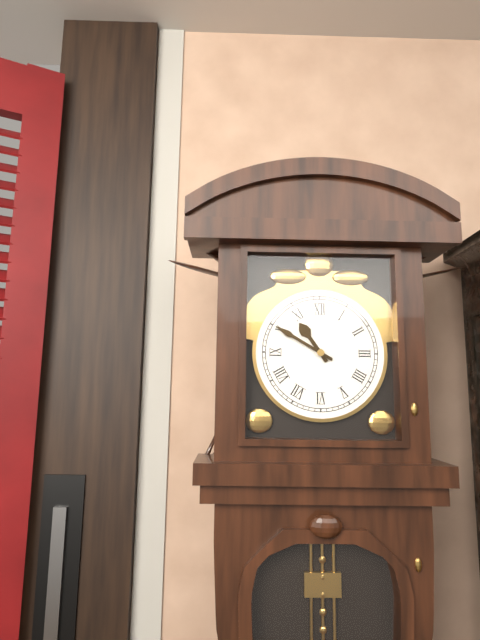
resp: 10,50
